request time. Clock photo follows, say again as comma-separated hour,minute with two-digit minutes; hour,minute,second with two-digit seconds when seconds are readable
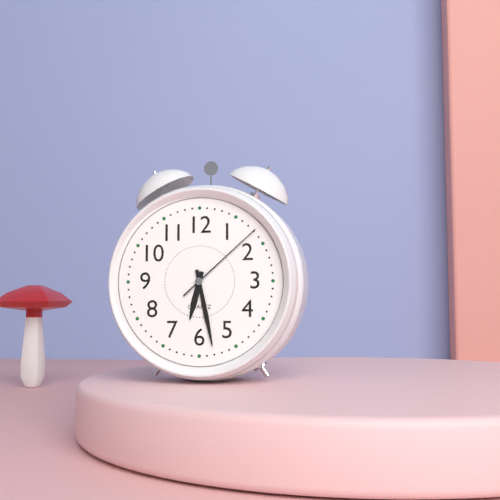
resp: 6,28,08
